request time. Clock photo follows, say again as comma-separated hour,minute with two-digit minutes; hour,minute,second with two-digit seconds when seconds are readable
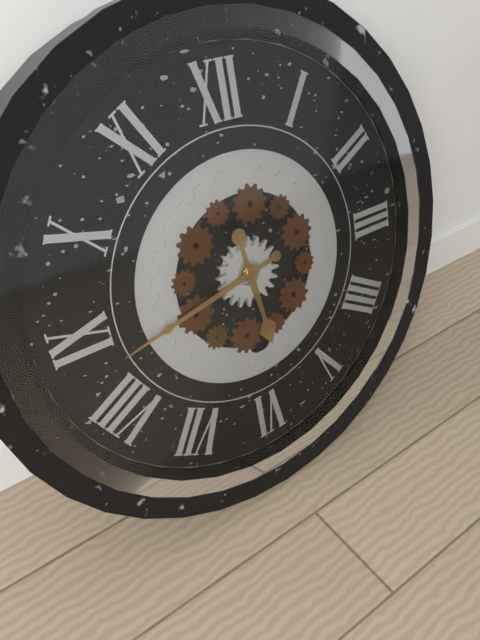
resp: 5,43
